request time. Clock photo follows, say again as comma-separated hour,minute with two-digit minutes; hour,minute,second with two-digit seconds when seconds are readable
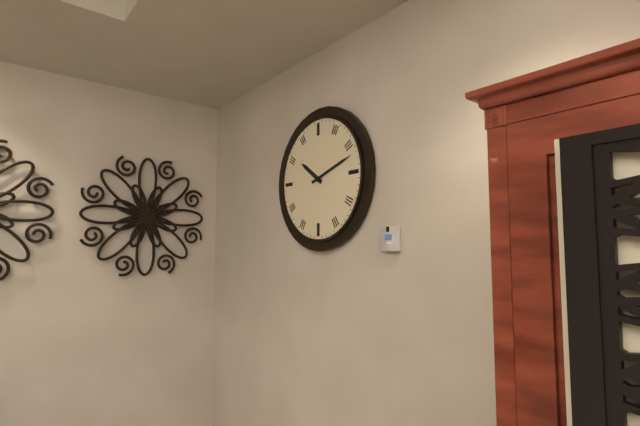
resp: 10,12
